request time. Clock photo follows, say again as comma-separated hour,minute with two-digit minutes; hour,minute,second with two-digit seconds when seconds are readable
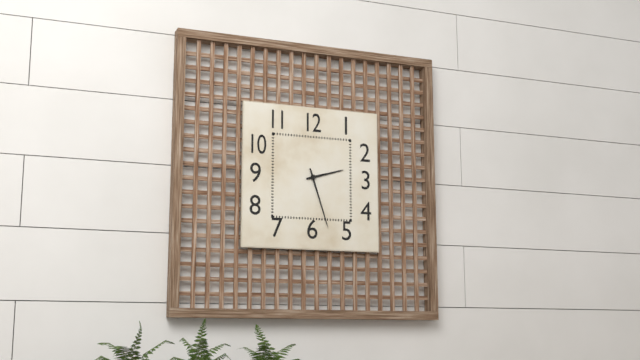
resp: 2,27
